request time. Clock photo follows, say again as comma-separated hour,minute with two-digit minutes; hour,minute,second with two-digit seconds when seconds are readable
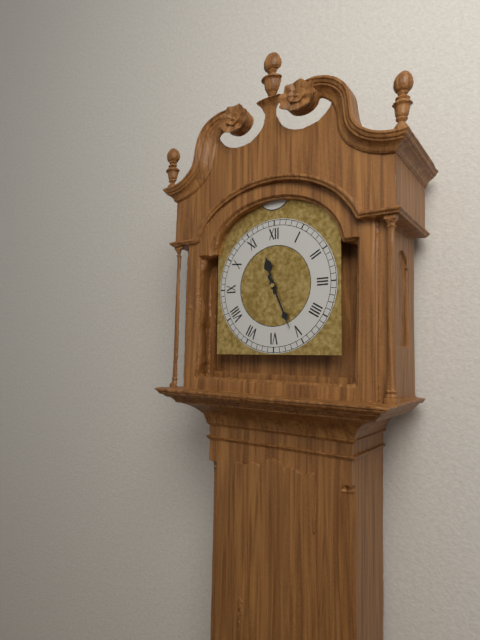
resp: 11,26
